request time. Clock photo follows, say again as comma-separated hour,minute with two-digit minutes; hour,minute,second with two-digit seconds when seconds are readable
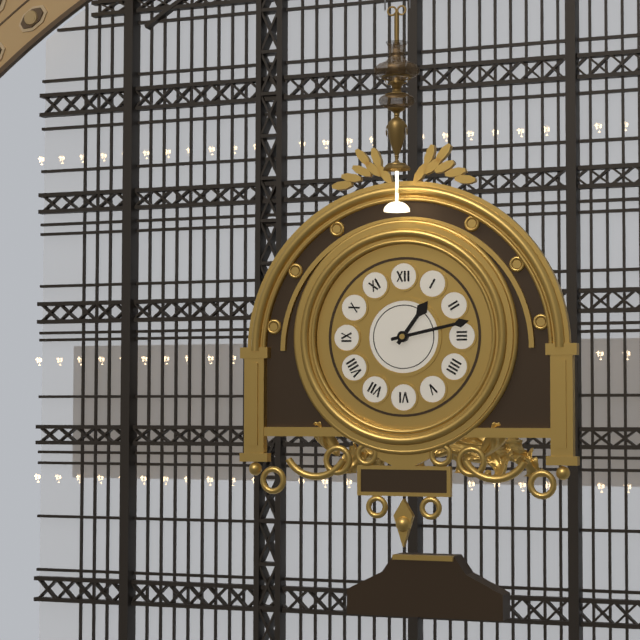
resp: 1,13
